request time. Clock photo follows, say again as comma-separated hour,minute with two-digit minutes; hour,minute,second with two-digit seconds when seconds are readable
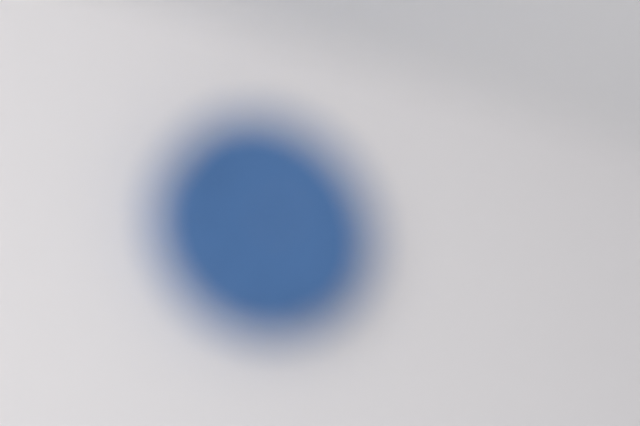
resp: 6,47
